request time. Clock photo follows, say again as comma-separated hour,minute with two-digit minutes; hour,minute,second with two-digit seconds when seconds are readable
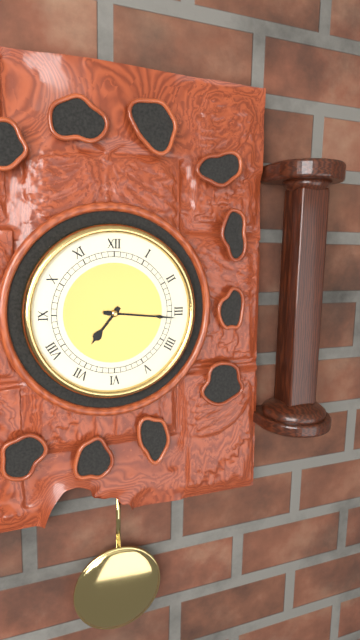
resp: 7,16
